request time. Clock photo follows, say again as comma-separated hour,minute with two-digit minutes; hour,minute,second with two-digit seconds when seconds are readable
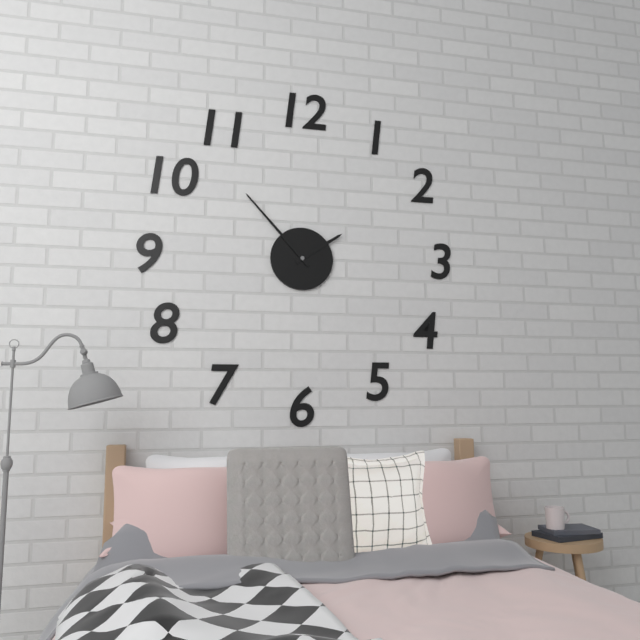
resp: 1,53
